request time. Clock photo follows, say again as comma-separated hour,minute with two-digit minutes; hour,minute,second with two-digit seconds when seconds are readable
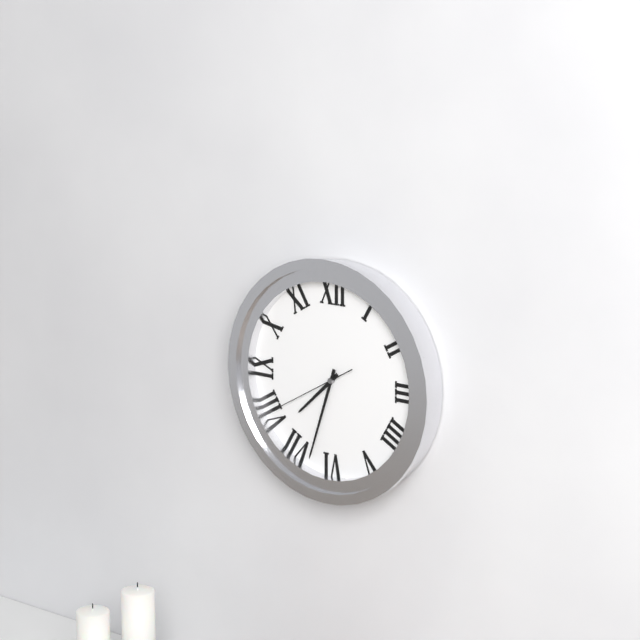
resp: 7,33,40
